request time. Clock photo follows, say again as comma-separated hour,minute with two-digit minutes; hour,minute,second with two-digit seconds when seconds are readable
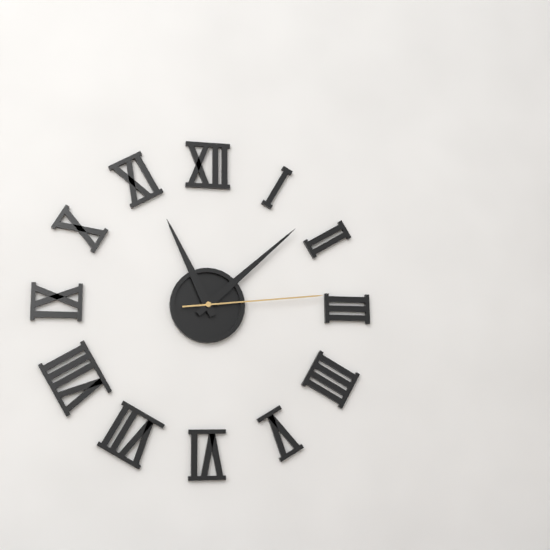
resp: 11,08,14
